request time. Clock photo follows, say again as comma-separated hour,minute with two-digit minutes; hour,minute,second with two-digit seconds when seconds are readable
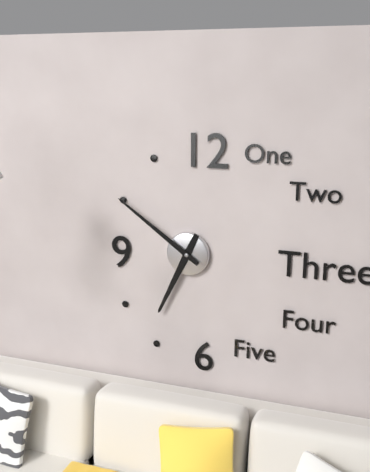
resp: 6,51
